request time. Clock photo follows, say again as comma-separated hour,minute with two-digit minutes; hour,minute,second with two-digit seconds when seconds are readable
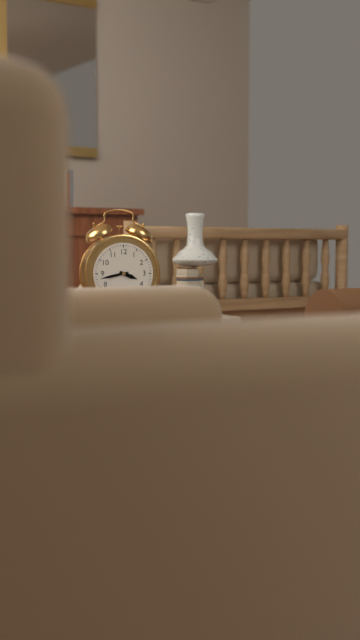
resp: 3,43
